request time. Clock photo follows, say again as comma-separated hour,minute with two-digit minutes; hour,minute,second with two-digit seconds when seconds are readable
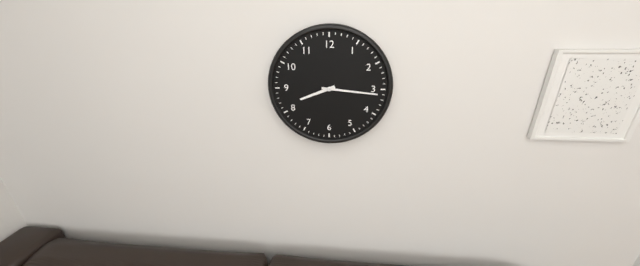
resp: 8,16
